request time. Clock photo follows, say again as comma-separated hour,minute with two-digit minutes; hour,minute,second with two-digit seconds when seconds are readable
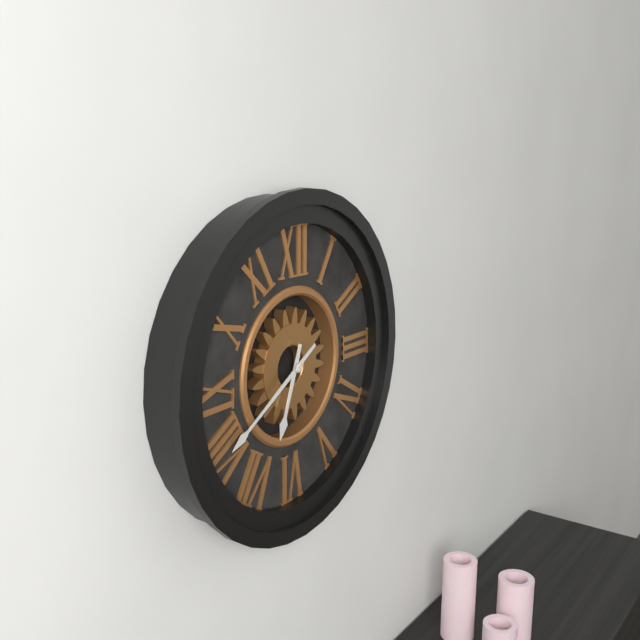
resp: 6,40
